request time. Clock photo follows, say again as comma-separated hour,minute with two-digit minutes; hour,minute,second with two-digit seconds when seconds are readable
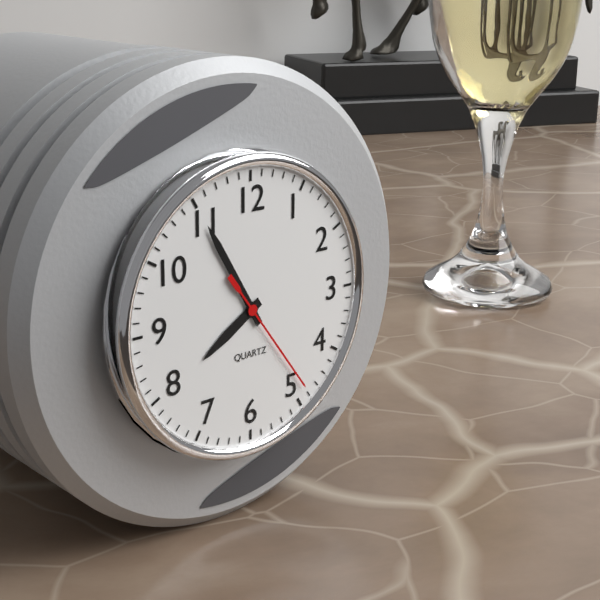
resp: 7,55,24
